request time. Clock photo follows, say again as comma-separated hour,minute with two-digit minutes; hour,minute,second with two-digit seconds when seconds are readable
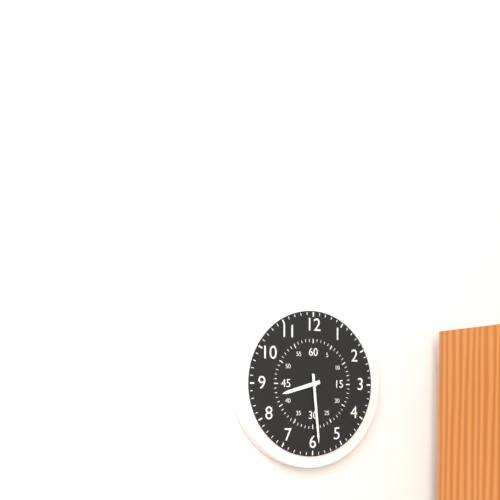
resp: 8,29
